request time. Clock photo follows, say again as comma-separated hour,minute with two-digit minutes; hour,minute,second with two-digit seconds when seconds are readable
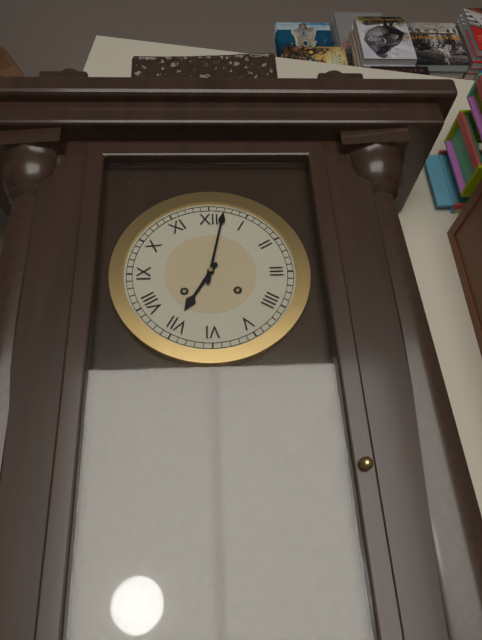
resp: 7,02
